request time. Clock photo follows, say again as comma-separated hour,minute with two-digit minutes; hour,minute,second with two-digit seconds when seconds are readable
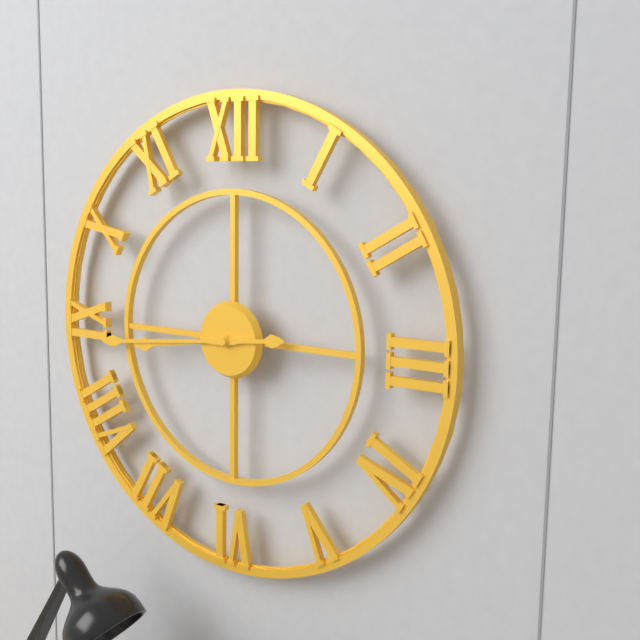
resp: 8,44
